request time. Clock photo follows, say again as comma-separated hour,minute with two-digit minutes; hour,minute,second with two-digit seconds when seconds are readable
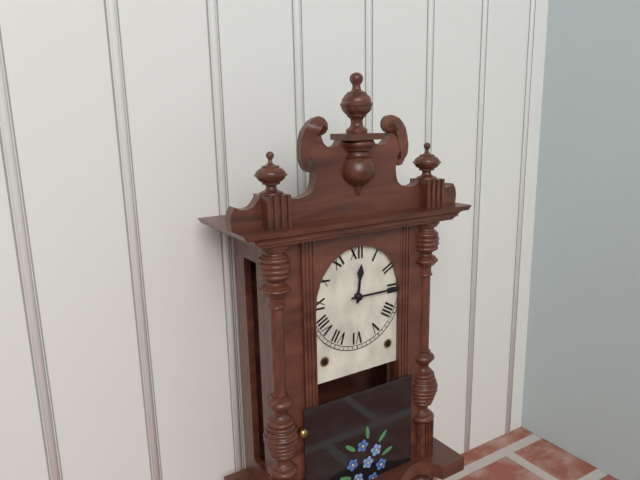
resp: 12,15
